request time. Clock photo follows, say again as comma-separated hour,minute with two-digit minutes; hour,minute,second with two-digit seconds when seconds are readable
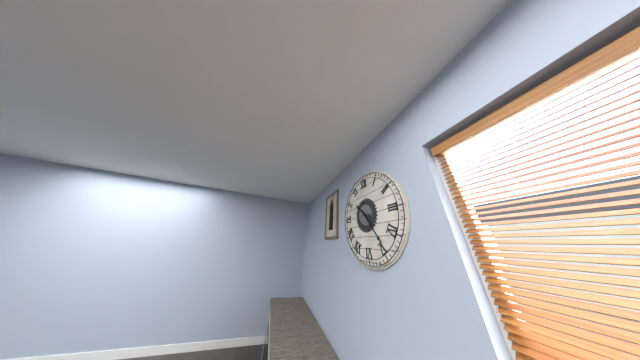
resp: 10,24
